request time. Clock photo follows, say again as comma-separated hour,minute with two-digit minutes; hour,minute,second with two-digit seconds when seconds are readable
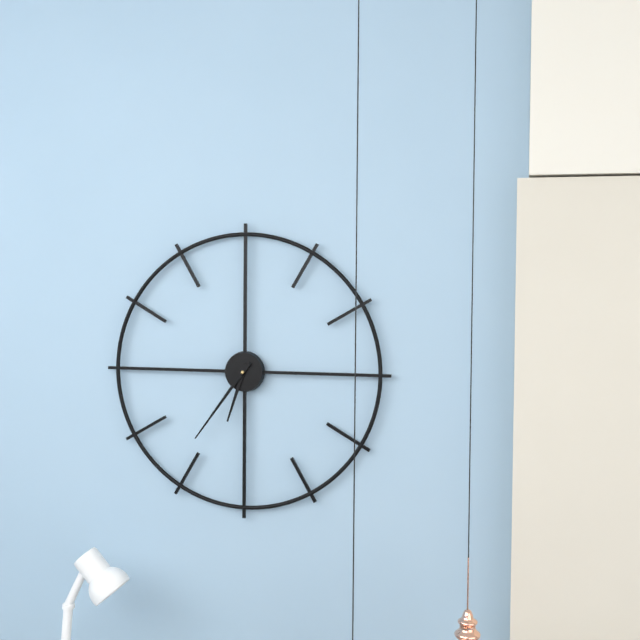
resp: 6,36
